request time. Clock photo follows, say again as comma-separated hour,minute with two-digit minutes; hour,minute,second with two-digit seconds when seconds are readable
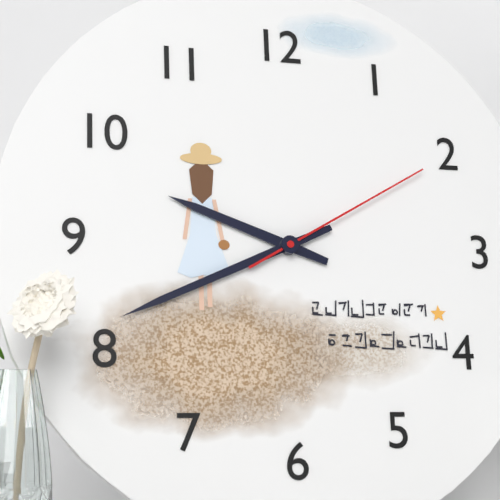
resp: 9,41,10
